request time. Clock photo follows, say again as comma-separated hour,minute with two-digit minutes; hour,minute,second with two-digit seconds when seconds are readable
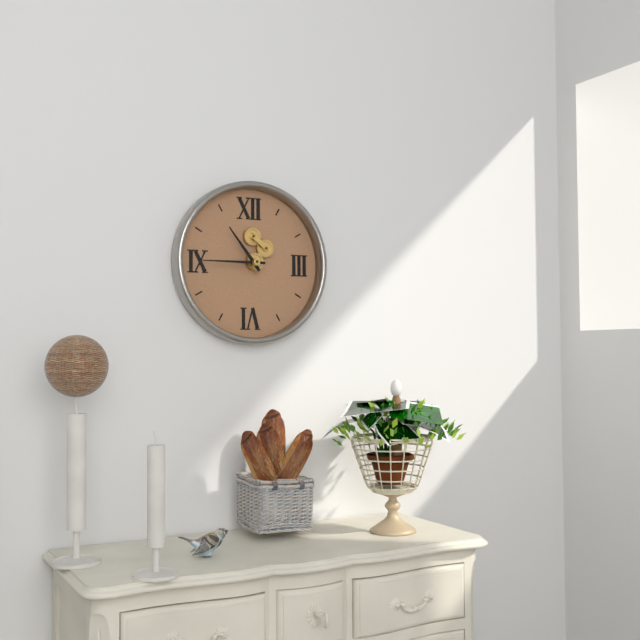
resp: 10,45
